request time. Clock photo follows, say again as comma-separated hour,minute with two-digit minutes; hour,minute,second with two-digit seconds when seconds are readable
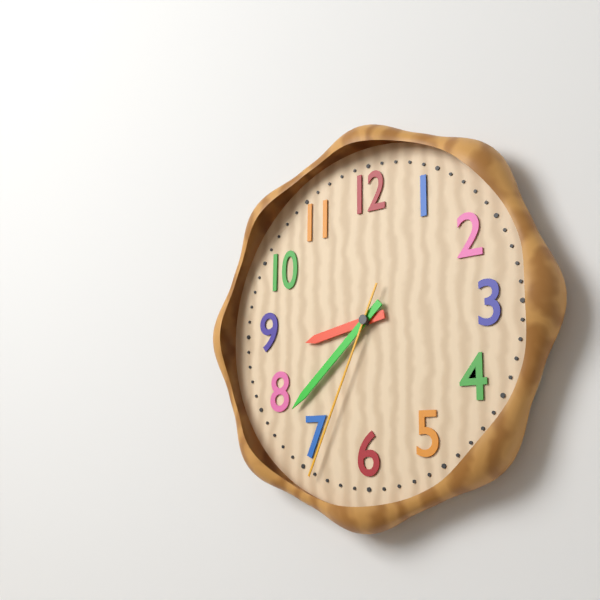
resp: 8,38,34
